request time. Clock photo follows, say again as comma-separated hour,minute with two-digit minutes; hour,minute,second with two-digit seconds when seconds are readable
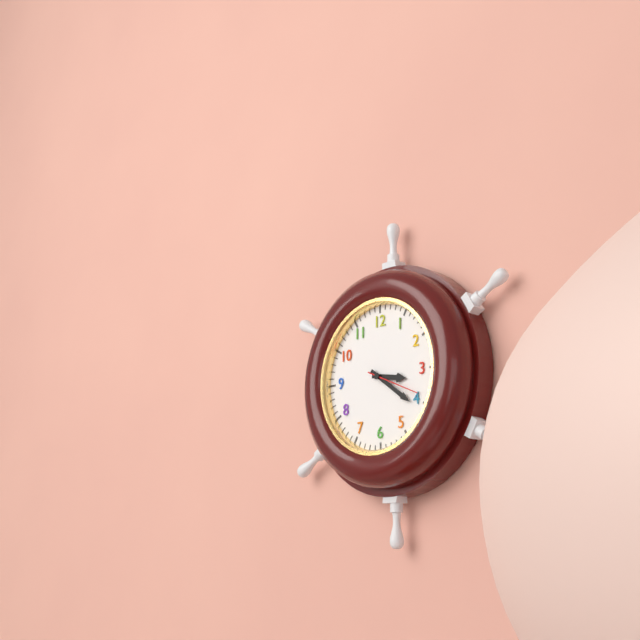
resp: 3,21,19
